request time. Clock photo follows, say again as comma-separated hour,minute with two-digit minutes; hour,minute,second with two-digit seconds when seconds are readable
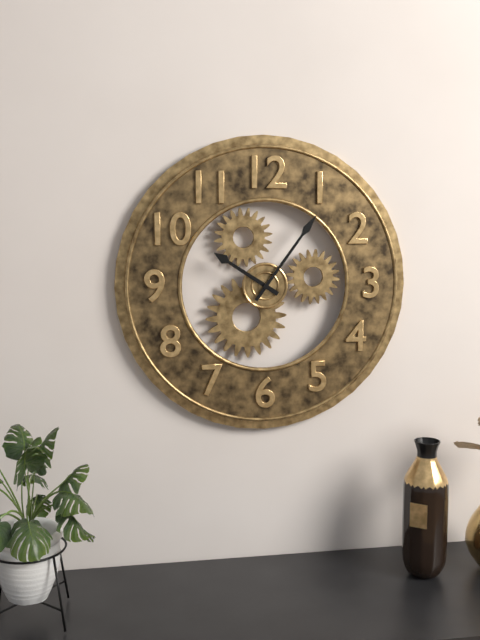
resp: 10,06
